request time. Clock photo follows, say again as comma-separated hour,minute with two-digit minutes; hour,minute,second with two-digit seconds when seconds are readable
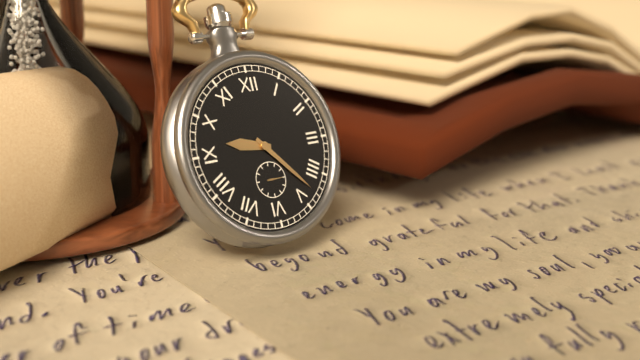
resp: 9,23
